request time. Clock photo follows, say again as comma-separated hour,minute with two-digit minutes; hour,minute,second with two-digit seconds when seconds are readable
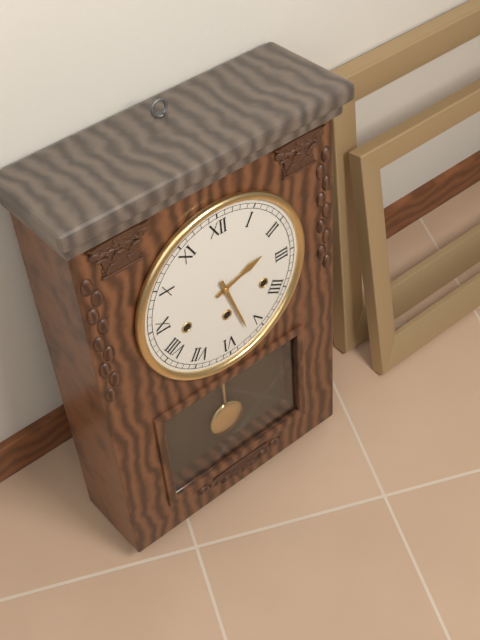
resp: 2,27
